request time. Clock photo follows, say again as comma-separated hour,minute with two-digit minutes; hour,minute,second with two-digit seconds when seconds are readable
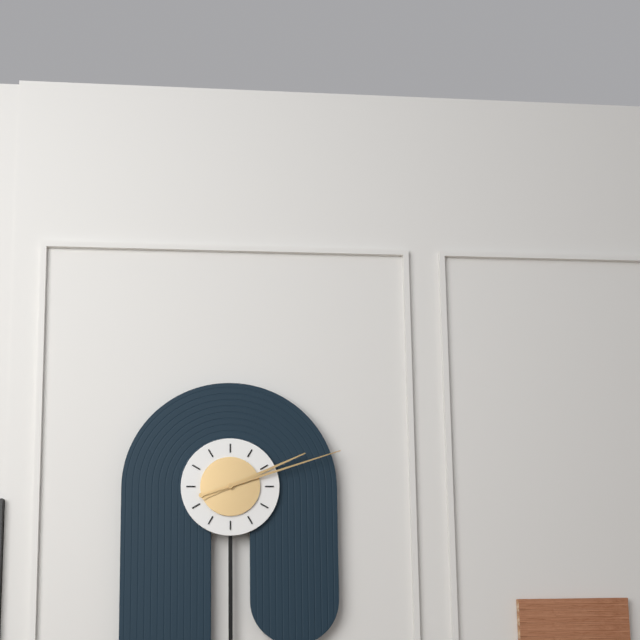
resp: 2,12
